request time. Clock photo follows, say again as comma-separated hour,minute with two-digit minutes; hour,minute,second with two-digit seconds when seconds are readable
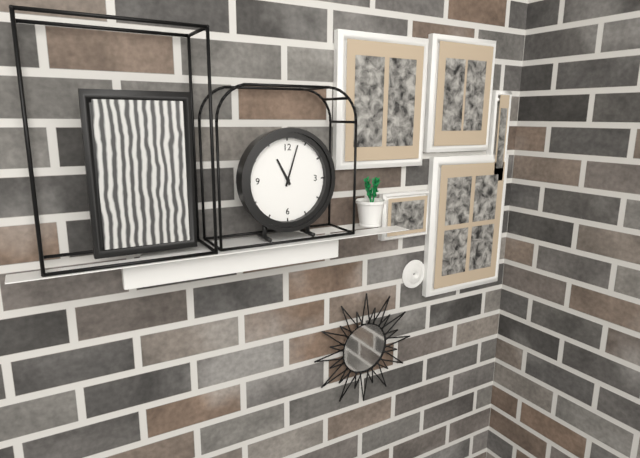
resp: 11,03
